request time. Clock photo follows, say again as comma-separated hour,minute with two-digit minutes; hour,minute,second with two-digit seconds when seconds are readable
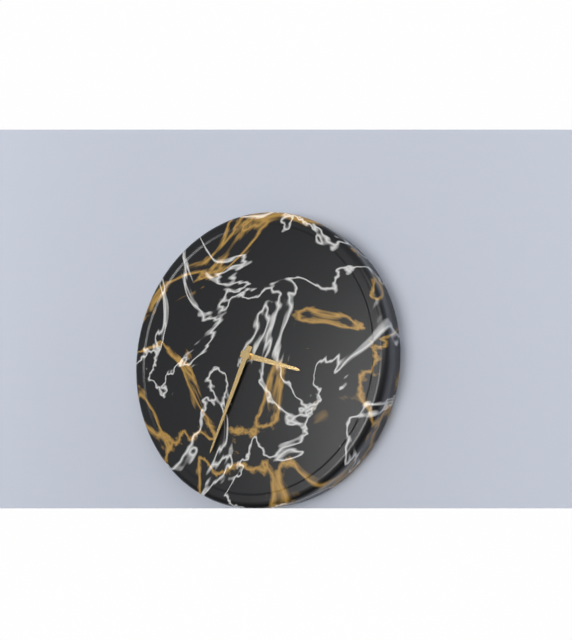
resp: 3,34
